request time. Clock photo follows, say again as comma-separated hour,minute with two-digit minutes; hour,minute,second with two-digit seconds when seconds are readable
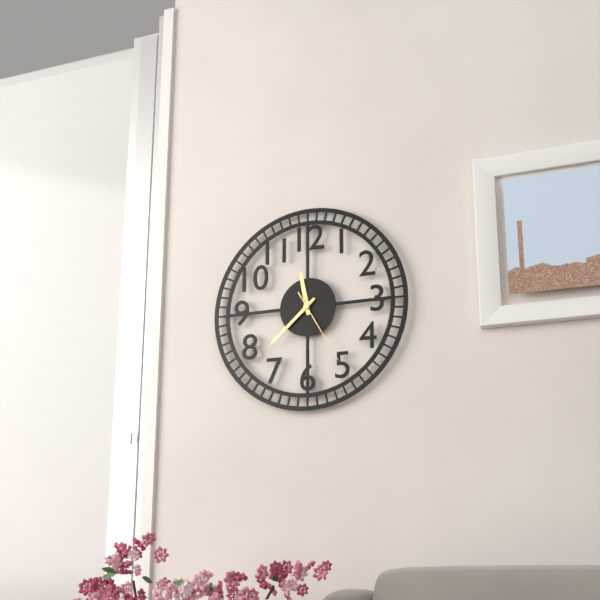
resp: 11,38,25
